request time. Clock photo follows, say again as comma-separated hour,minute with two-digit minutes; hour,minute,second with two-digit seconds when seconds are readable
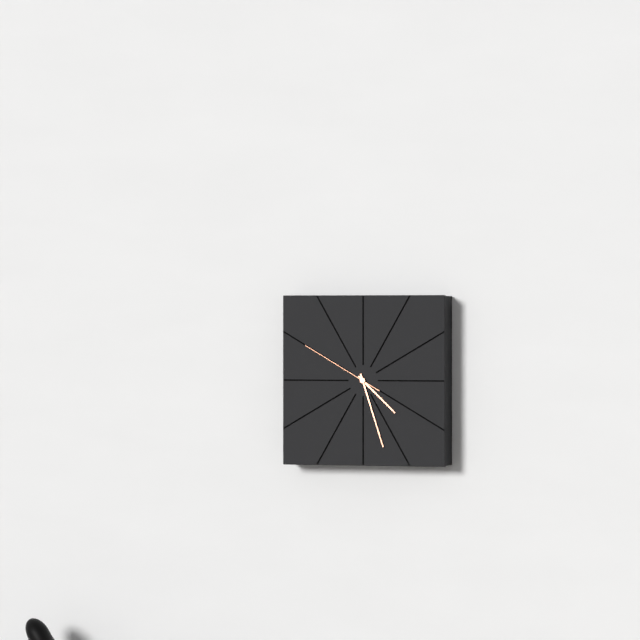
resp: 4,27,50
